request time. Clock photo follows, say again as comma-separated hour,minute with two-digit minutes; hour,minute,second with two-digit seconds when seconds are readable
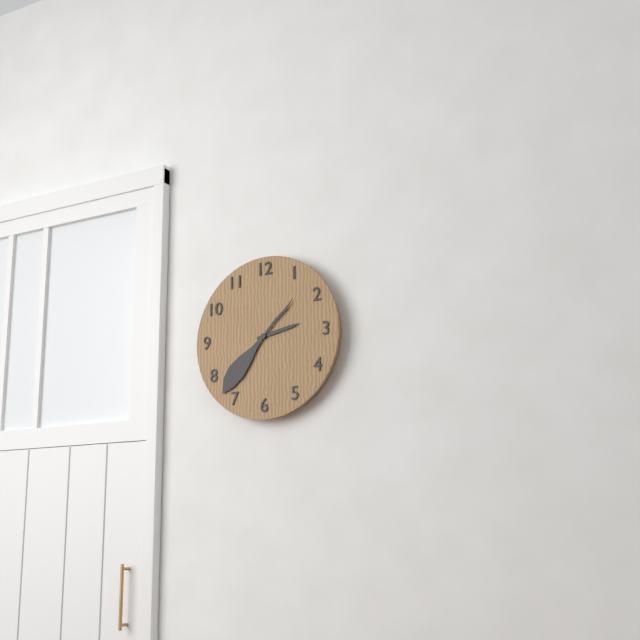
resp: 2,37
